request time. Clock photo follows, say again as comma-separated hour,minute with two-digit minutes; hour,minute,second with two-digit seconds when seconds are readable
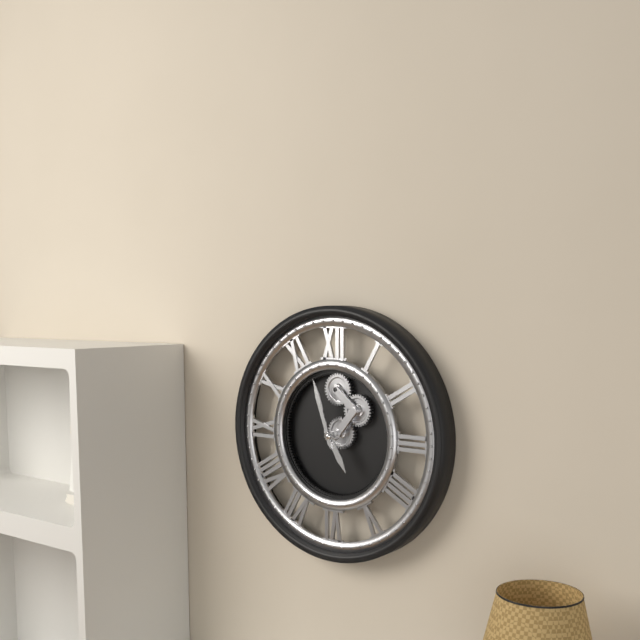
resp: 4,57
